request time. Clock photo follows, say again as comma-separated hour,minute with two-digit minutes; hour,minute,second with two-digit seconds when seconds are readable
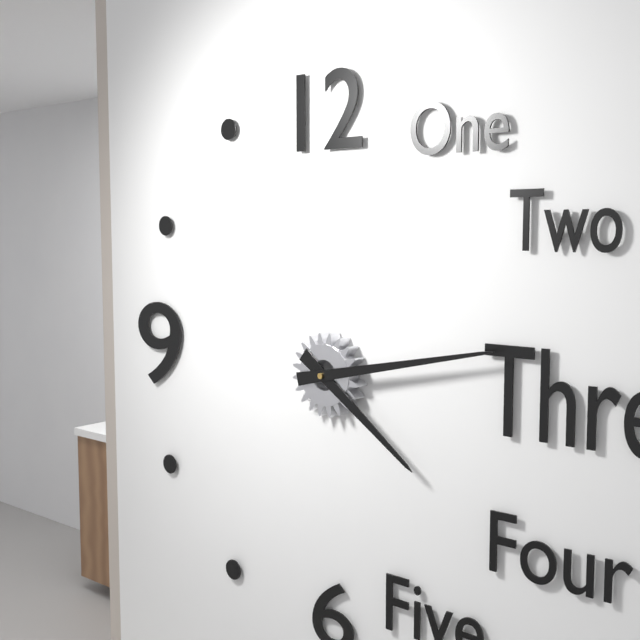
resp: 4,13
